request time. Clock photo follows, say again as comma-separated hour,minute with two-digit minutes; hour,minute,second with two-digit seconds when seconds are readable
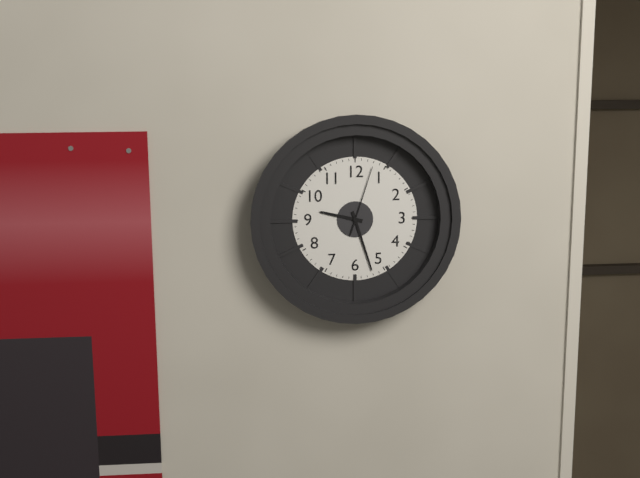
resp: 9,27,03
